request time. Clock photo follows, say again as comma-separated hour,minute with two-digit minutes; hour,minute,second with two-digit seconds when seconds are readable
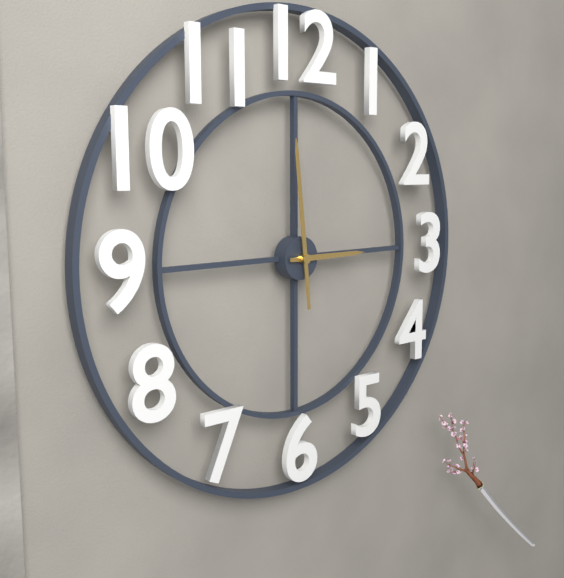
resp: 2,59
